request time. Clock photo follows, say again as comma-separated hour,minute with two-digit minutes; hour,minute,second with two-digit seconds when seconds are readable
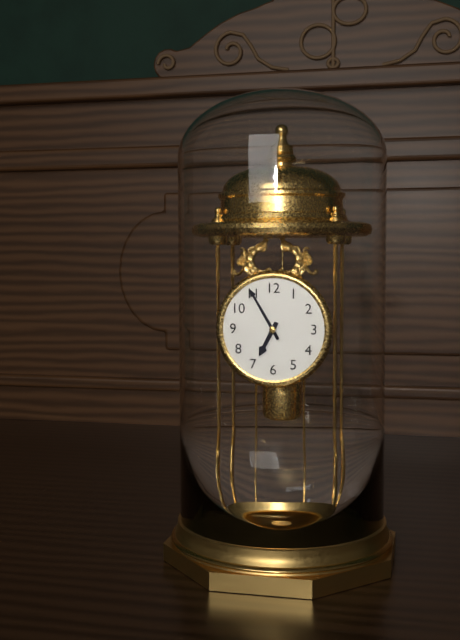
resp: 6,55
